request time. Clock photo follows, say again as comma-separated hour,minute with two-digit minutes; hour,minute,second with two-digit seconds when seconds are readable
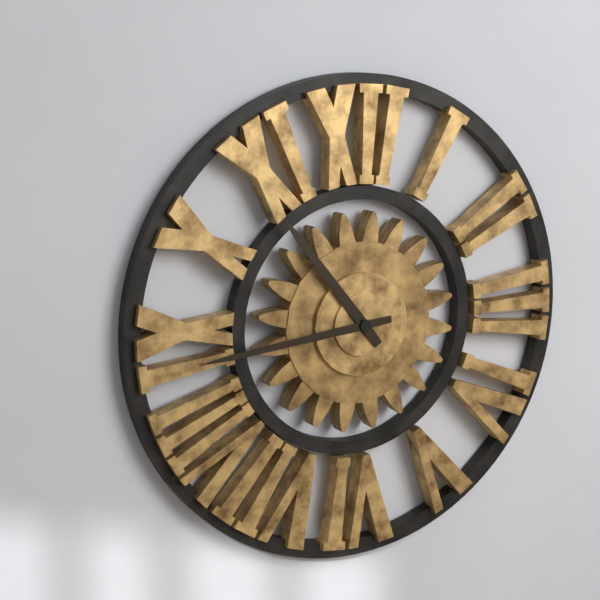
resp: 10,44
